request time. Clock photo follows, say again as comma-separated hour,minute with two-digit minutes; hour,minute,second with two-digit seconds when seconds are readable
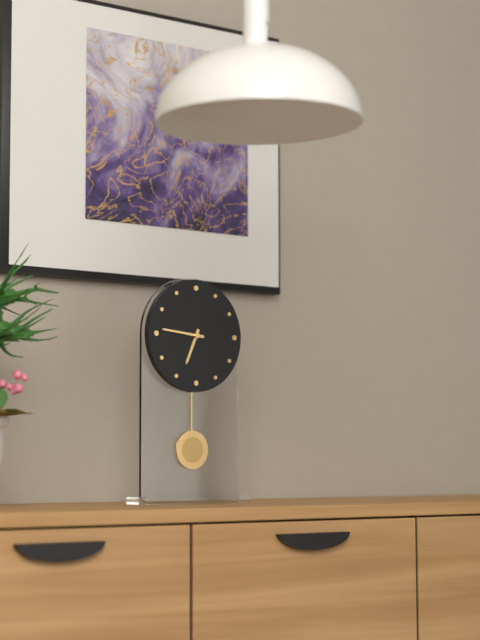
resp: 6,46
